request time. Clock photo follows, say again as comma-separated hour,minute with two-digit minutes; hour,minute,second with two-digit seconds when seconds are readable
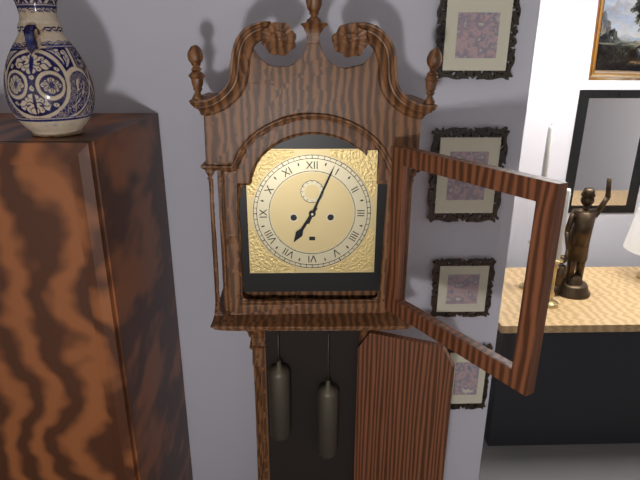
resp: 7,04
